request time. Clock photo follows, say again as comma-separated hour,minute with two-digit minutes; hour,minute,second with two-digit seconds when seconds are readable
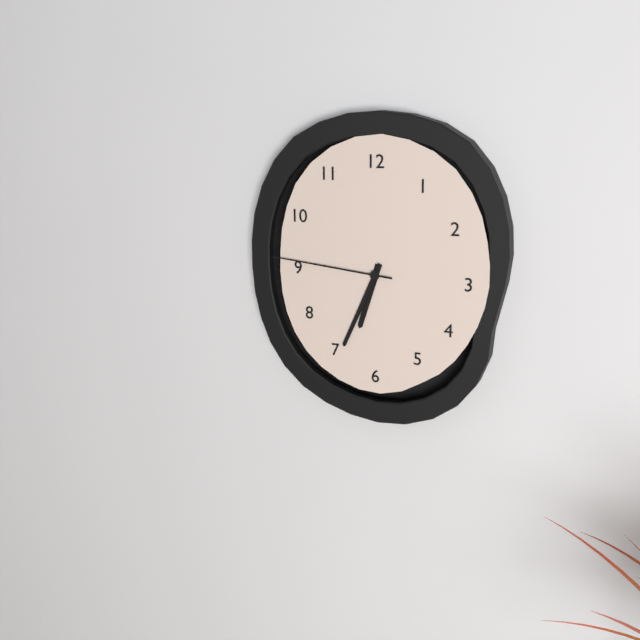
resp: 6,34,46
